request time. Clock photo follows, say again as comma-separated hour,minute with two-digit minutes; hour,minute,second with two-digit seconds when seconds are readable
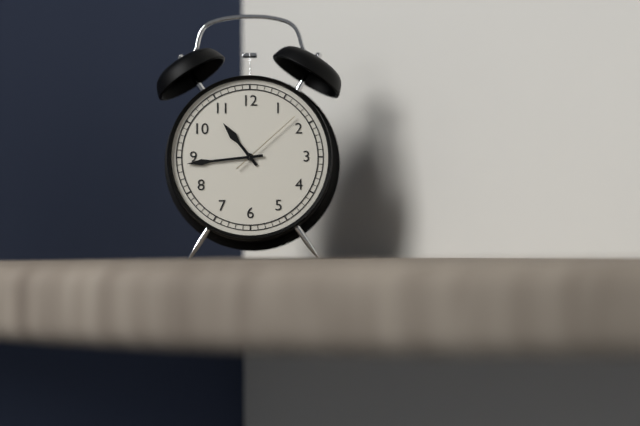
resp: 10,44,08
